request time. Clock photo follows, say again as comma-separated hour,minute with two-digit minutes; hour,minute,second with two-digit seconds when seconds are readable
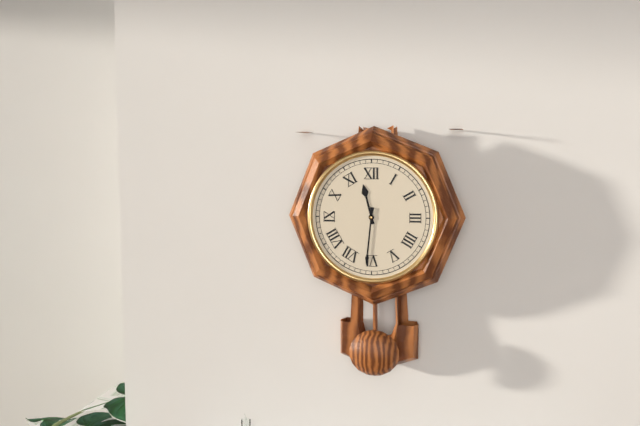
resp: 11,31
